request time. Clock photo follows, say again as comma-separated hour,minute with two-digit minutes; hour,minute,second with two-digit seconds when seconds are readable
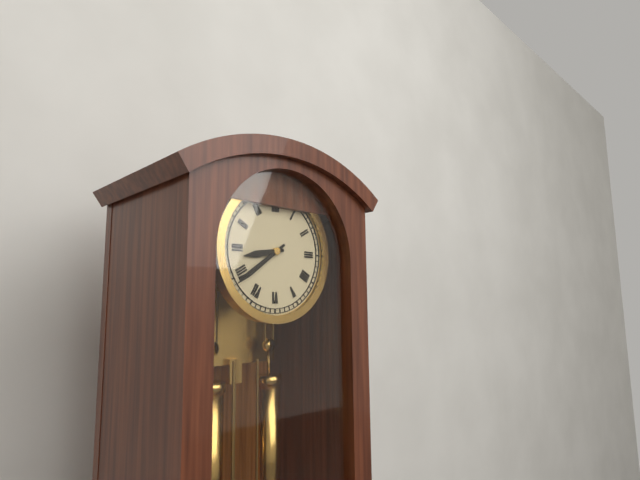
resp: 8,39
